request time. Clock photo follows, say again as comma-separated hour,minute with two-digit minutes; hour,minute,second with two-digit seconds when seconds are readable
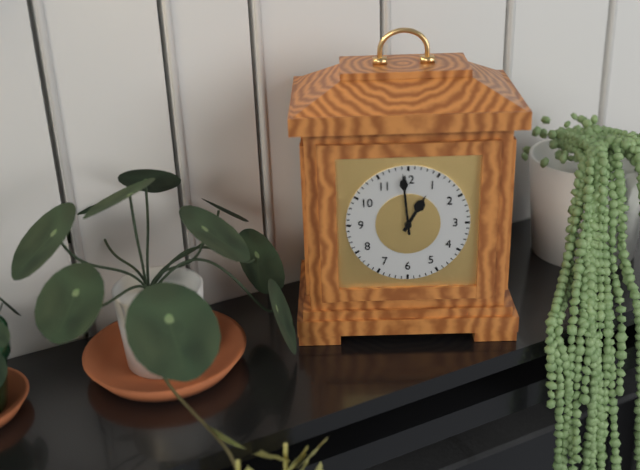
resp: 12,59
